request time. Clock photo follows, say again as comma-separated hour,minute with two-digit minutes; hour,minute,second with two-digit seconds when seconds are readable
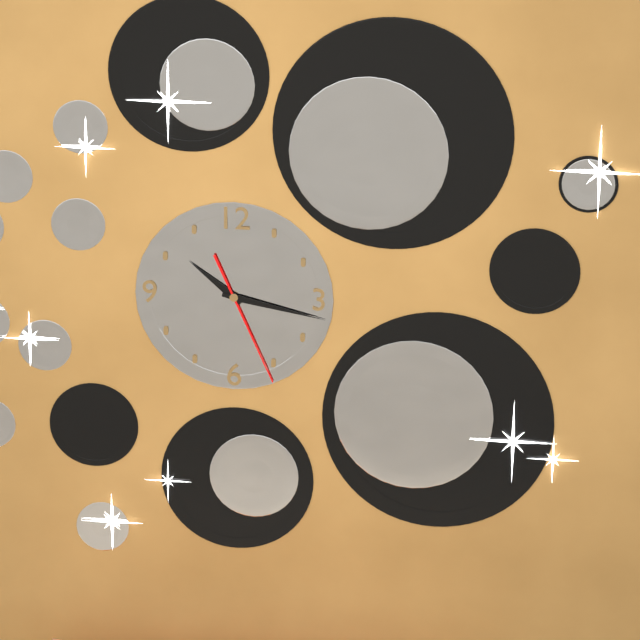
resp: 10,17,26
